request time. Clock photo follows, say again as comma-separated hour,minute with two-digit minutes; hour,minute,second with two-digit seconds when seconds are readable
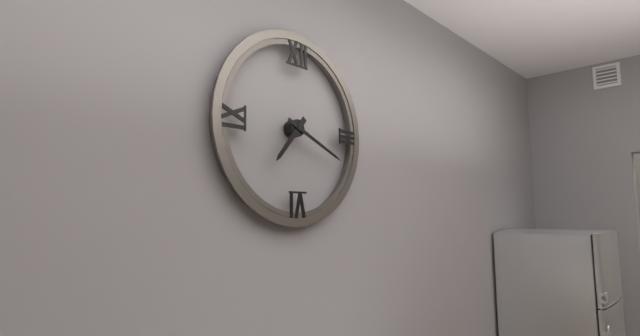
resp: 7,19
